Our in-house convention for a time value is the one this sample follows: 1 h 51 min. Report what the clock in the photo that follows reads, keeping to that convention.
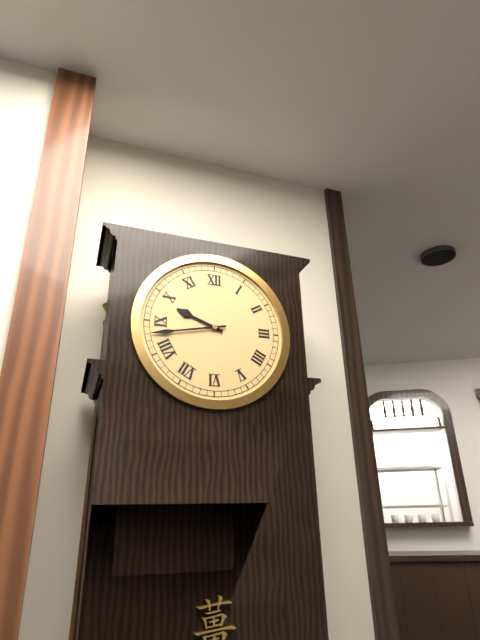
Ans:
9 h 43 min
